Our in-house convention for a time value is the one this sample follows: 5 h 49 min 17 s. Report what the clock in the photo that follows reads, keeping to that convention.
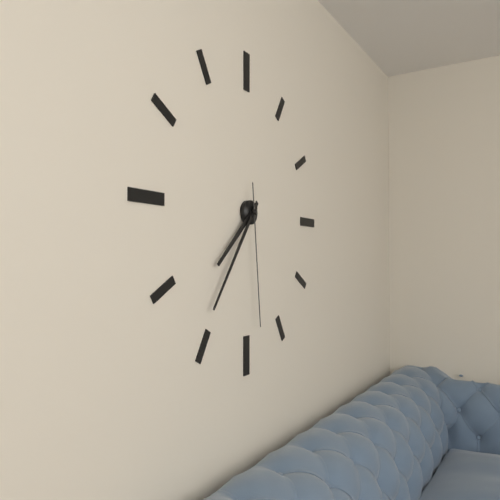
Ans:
7 h 36 min 29 s
